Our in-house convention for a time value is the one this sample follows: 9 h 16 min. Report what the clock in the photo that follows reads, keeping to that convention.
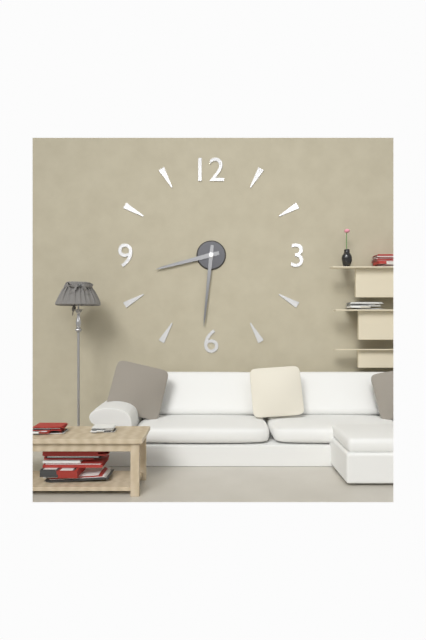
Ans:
8 h 31 min
